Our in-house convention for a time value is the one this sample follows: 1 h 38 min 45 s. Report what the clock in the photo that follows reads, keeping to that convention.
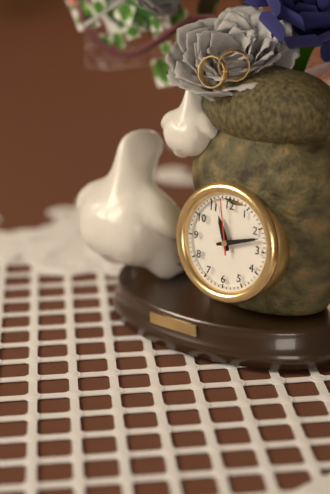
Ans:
11 h 12 min 58 s
